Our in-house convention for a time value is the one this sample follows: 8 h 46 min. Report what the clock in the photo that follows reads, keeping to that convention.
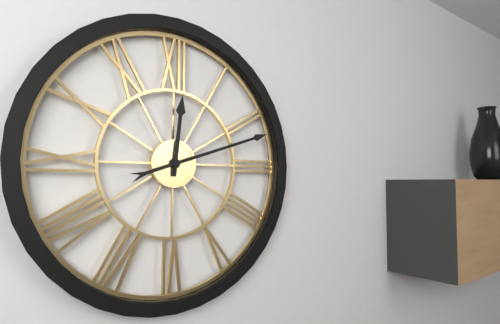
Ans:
12 h 12 min
